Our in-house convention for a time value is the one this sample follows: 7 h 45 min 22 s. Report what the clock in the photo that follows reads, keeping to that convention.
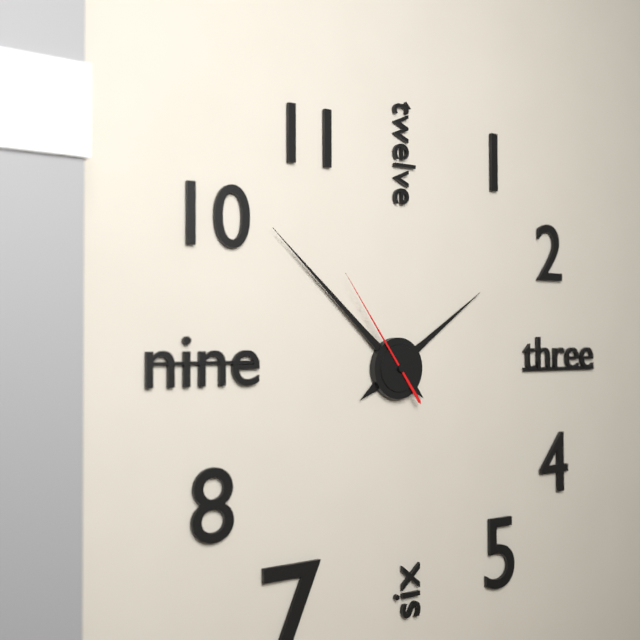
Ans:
1 h 52 min 54 s
